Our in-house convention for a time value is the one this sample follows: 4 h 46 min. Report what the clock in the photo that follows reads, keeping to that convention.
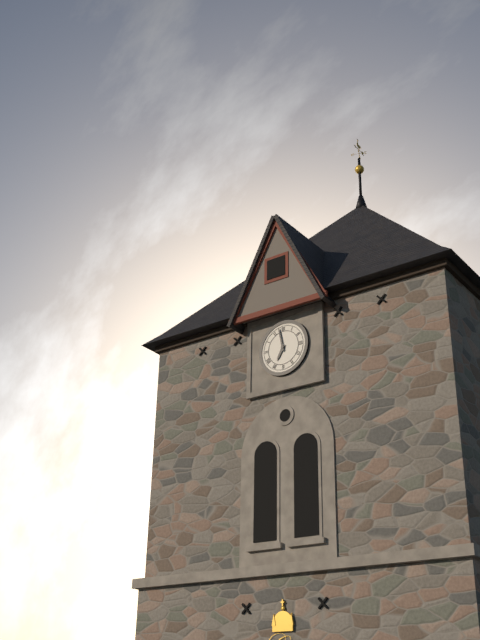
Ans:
6 h 58 min
